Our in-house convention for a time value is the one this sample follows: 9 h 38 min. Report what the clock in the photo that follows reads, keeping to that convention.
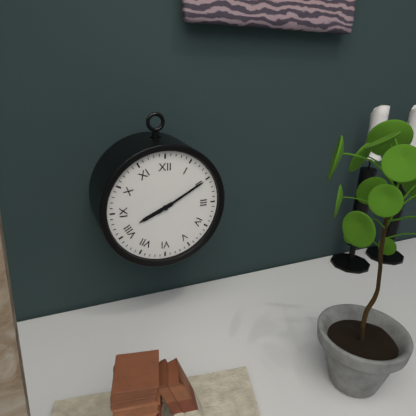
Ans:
8 h 10 min
